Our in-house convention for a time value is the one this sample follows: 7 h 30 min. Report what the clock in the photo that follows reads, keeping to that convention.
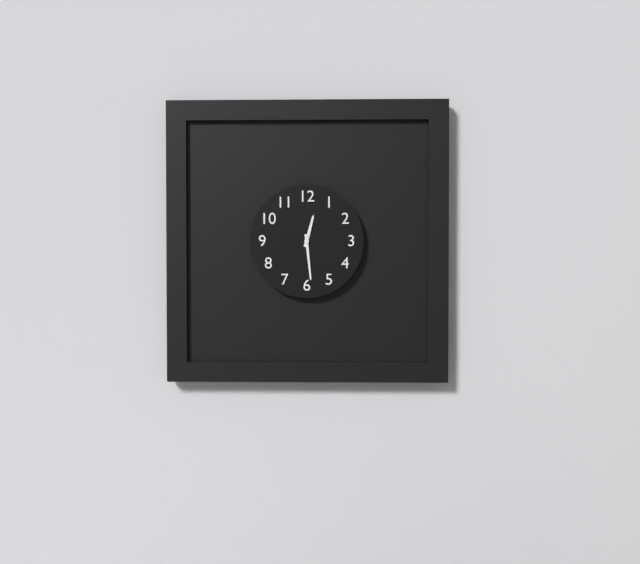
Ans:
12 h 29 min
